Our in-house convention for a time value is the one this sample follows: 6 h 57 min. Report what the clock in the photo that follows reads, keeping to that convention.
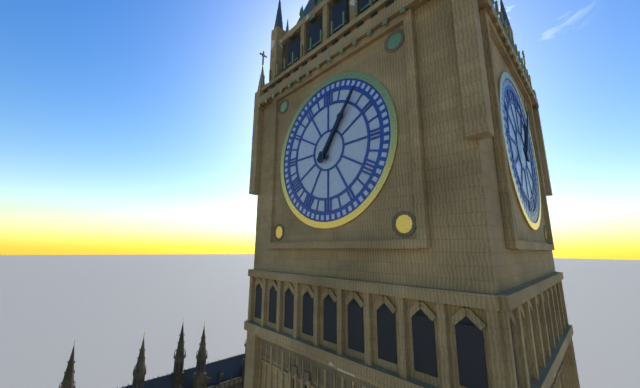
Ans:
1 h 06 min
